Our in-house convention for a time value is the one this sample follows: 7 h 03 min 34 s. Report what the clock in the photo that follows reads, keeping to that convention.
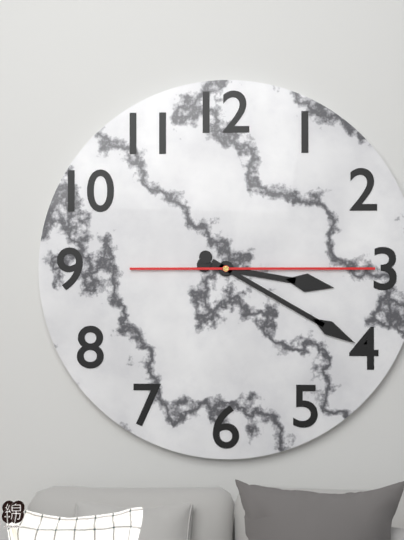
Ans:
3 h 20 min 15 s
